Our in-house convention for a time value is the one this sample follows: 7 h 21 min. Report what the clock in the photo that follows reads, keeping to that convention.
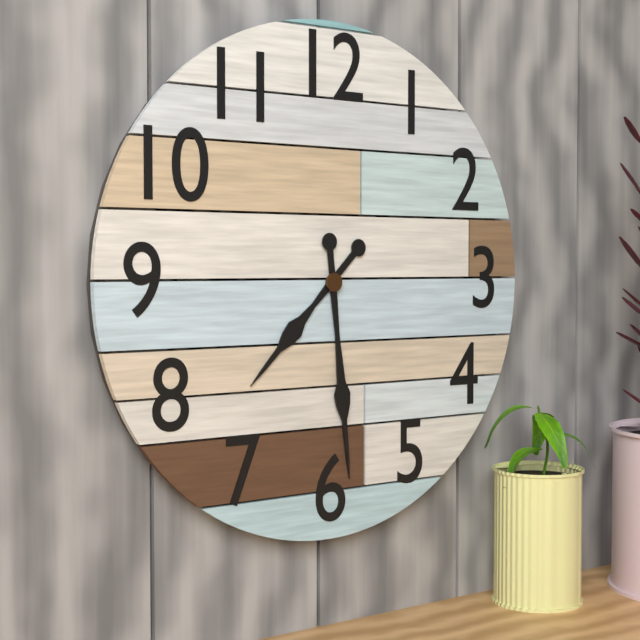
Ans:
7 h 29 min
